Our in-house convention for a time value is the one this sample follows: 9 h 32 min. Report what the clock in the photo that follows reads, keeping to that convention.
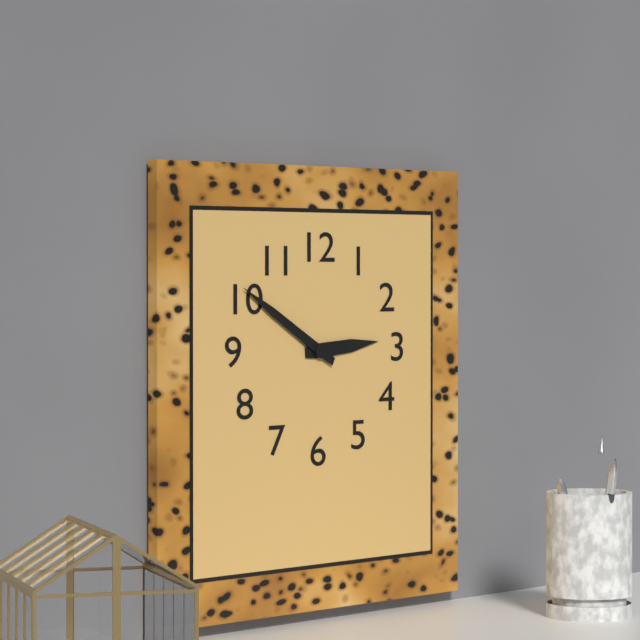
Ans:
2 h 50 min
